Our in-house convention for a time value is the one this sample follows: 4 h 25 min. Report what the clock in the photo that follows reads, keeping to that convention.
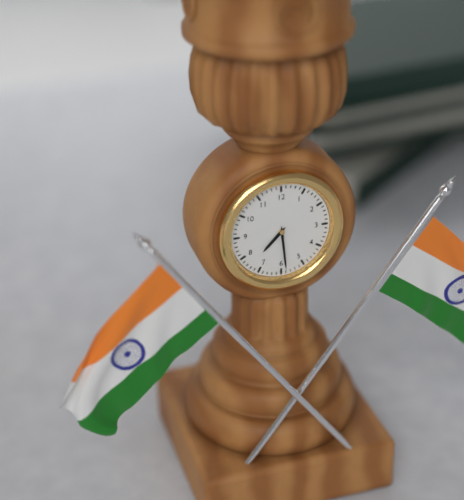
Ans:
7 h 29 min
